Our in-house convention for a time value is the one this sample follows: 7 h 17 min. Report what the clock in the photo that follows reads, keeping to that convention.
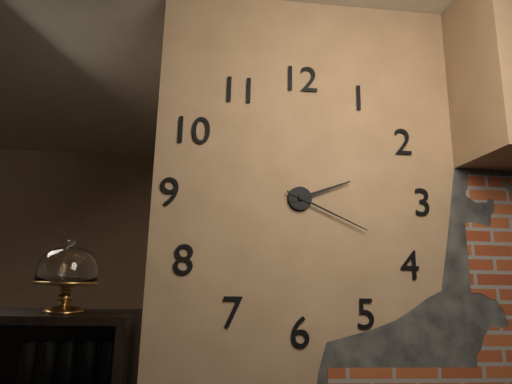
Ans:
2 h 19 min
